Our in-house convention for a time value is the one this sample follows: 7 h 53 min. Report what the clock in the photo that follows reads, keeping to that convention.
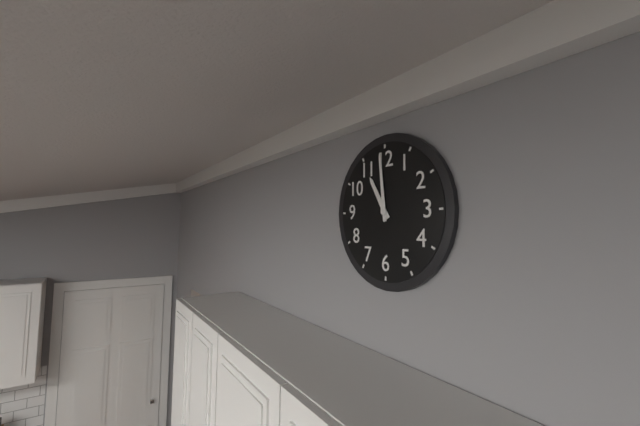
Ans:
10 h 59 min
